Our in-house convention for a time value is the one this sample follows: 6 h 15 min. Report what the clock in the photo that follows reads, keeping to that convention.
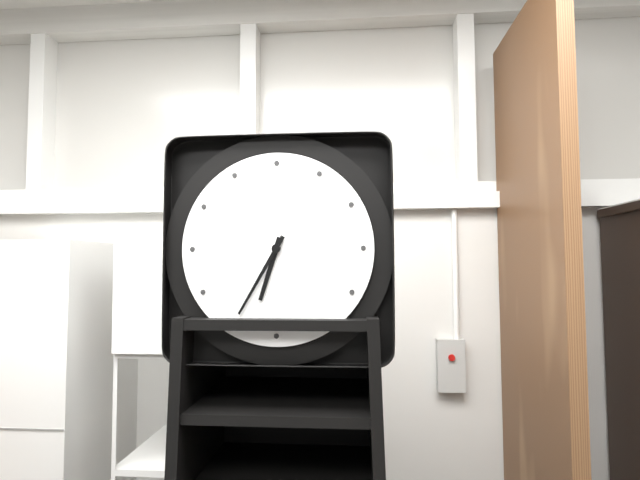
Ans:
6 h 35 min
